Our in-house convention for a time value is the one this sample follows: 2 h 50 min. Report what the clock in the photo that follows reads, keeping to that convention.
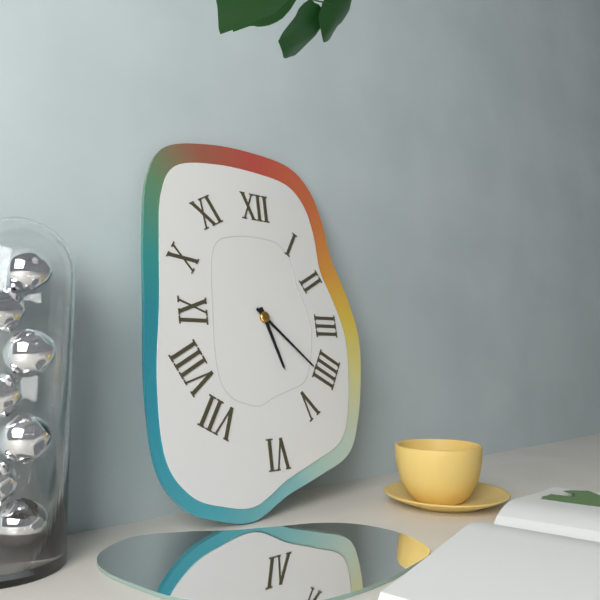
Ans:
5 h 22 min
